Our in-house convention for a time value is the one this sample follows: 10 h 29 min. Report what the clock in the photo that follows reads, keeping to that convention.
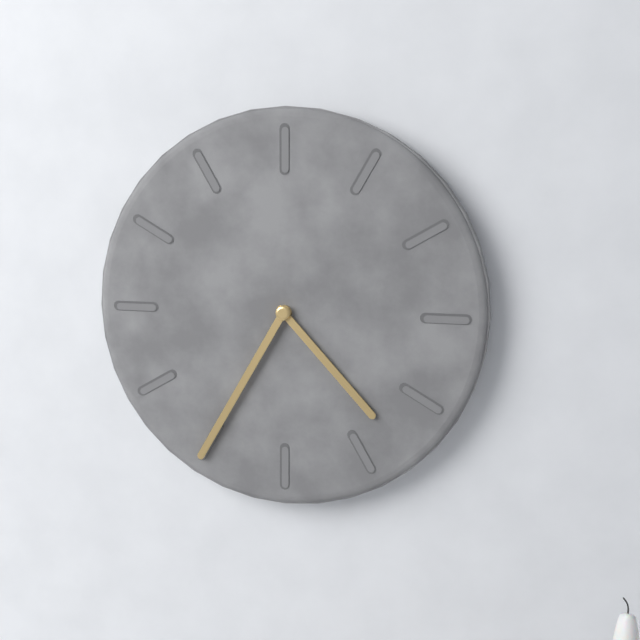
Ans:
4 h 35 min
